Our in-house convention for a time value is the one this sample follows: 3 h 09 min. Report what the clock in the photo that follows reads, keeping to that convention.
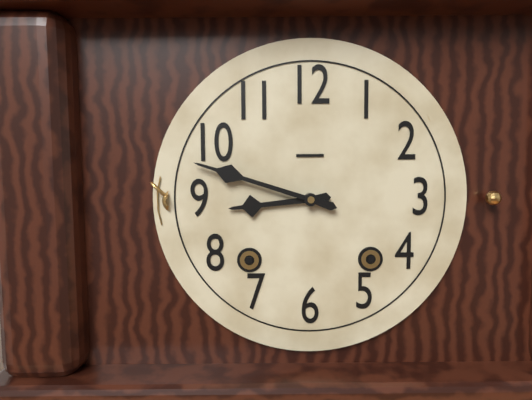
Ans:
8 h 48 min
